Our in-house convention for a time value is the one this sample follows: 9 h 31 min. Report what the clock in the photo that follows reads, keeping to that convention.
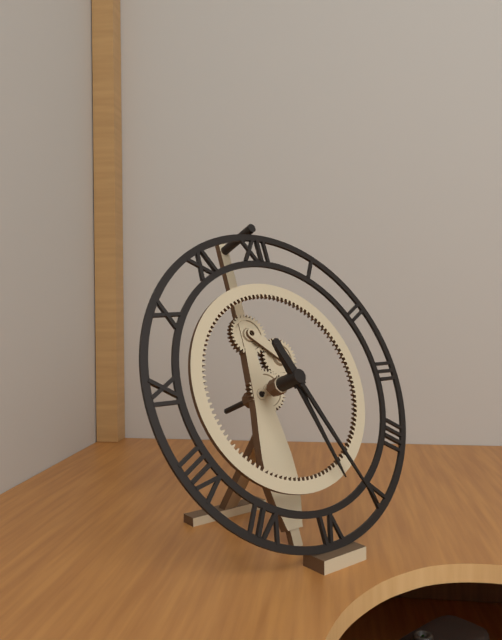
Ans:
5 h 26 min
